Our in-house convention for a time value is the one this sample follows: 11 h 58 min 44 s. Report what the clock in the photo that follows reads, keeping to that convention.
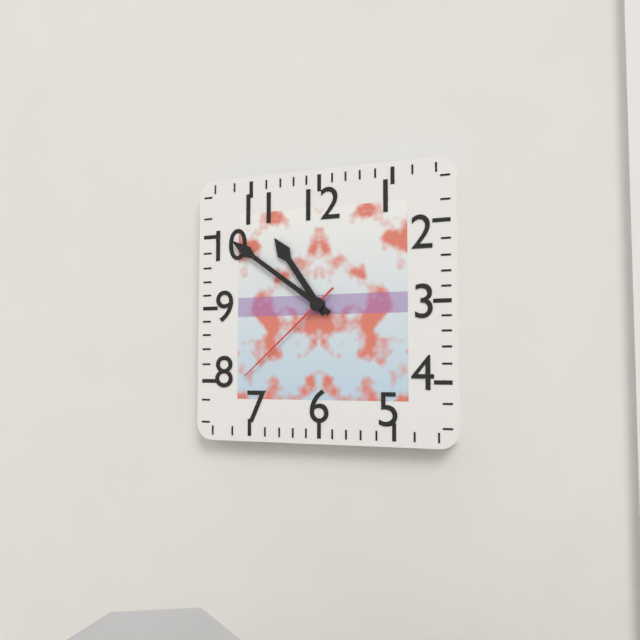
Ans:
10 h 51 min 38 s
